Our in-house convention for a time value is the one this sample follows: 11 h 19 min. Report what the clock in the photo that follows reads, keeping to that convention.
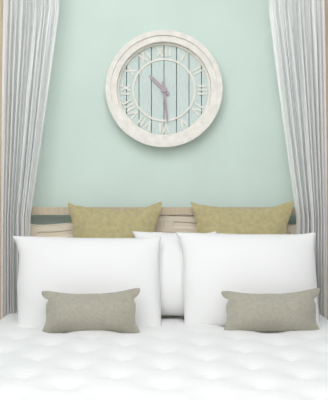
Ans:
10 h 29 min
